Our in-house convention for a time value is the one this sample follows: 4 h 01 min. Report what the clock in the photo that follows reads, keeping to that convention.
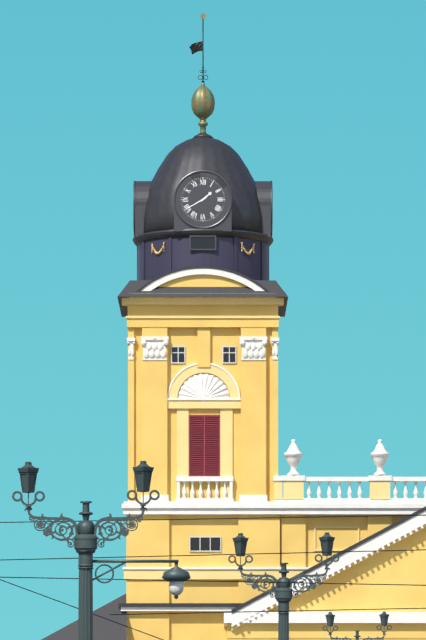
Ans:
1 h 40 min
